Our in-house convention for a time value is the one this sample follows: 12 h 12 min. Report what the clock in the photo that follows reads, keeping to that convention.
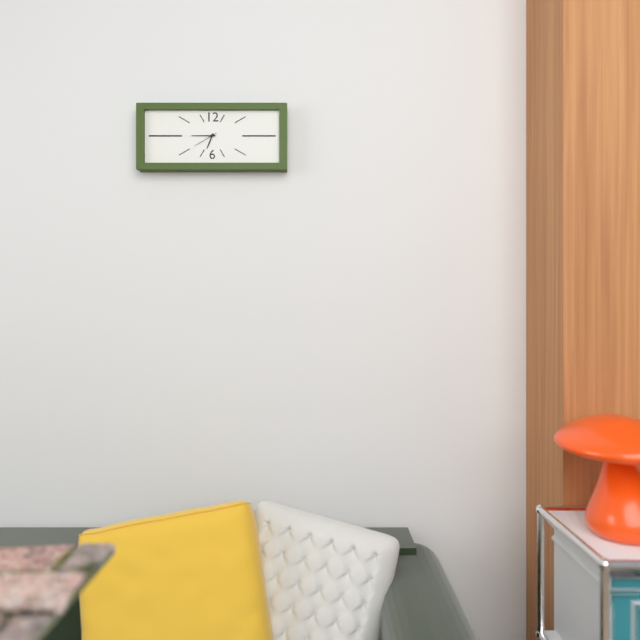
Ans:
6 h 45 min
